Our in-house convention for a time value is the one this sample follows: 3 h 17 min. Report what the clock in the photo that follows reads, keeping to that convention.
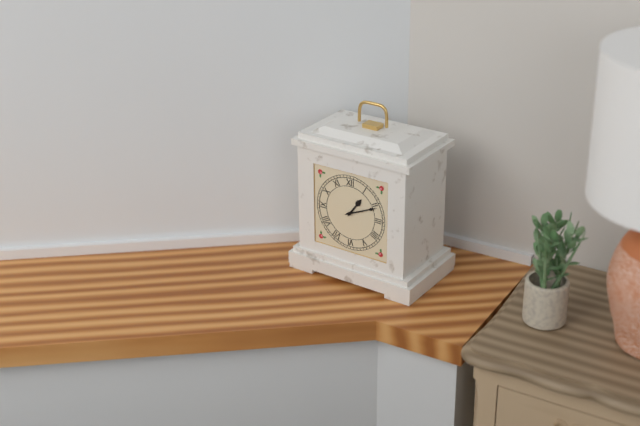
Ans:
1 h 11 min
